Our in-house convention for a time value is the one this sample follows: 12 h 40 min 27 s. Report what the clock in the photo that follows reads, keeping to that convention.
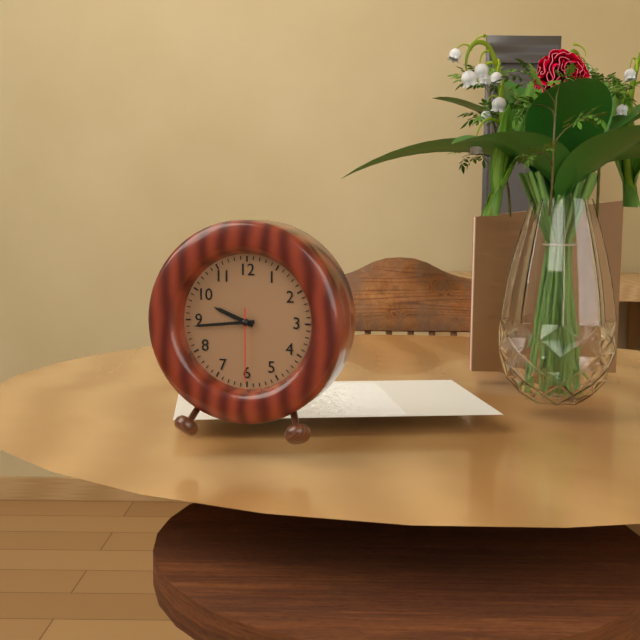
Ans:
9 h 44 min 30 s
